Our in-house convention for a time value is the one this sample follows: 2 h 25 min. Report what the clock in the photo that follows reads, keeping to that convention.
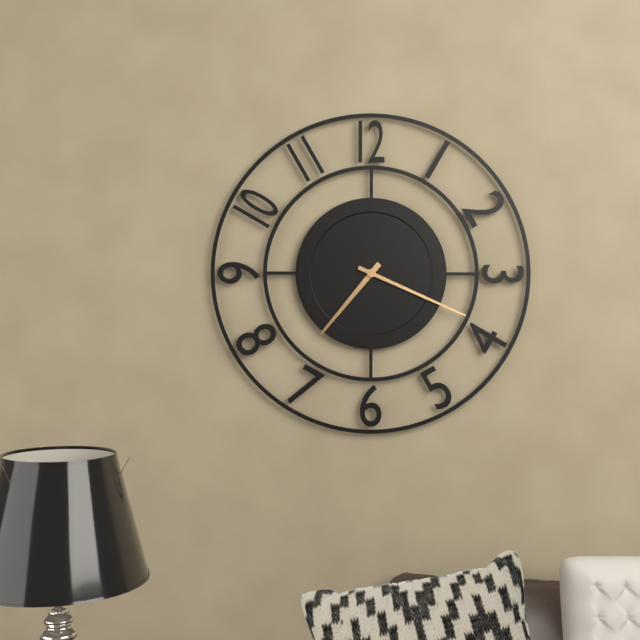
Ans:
7 h 19 min
